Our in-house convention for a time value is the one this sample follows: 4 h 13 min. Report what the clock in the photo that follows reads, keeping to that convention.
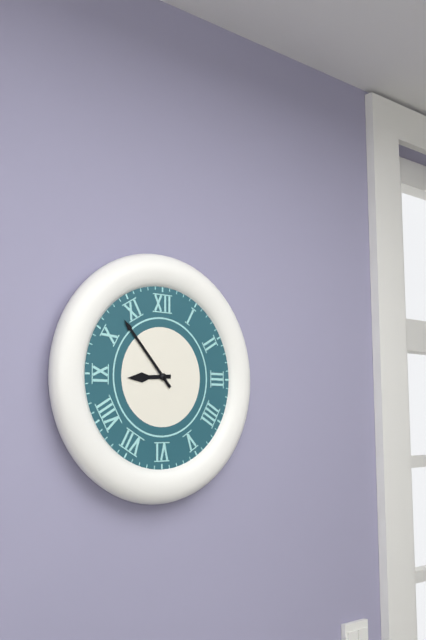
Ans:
8 h 53 min
